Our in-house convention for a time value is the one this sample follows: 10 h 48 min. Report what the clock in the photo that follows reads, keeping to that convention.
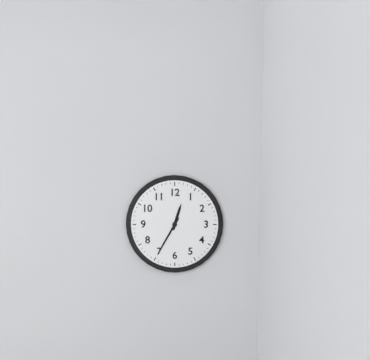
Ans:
12 h 35 min
